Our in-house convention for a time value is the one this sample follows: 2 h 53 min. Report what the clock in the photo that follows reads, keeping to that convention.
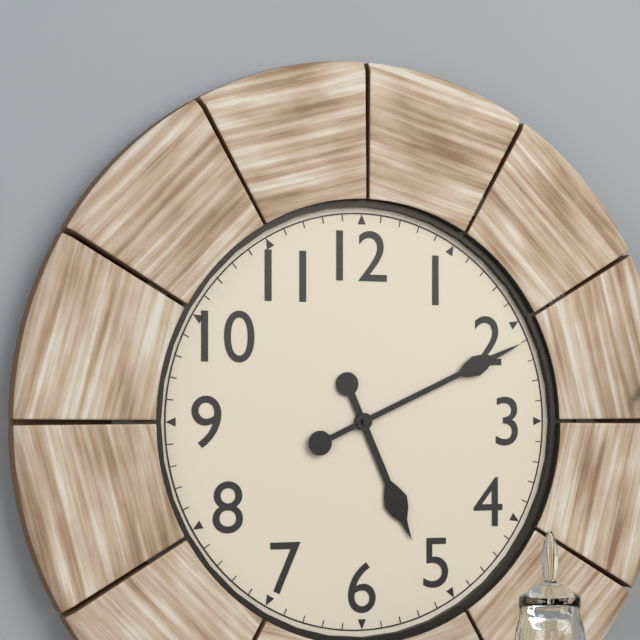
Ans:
5 h 11 min
